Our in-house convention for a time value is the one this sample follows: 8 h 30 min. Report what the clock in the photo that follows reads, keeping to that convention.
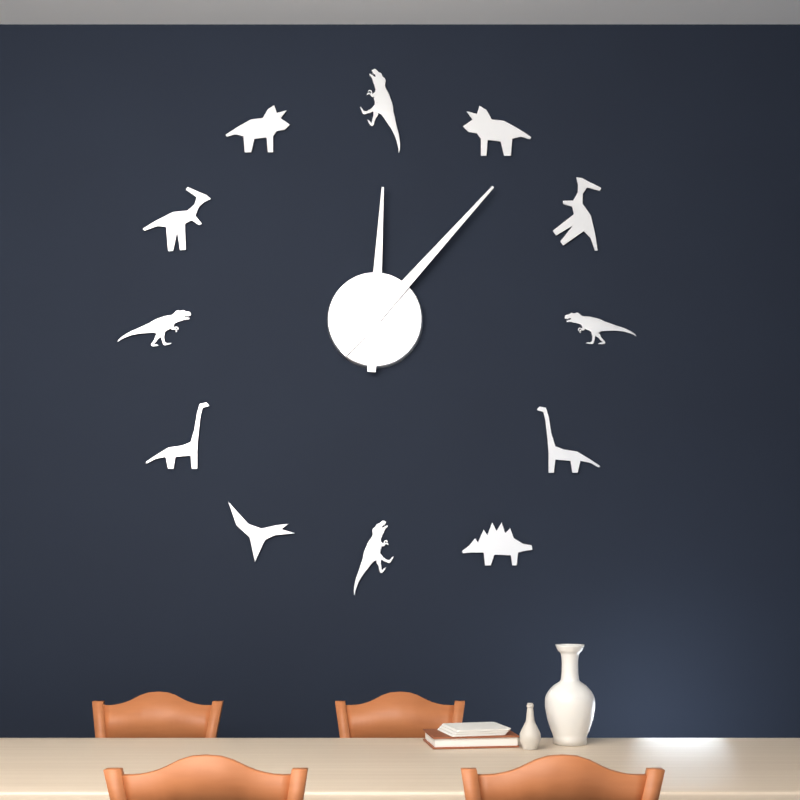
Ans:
12 h 07 min
